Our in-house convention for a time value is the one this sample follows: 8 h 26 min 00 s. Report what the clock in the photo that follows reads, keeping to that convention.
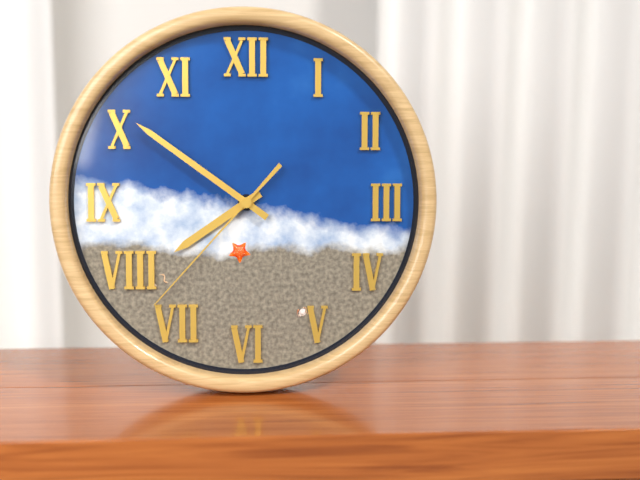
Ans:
7 h 51 min 37 s
